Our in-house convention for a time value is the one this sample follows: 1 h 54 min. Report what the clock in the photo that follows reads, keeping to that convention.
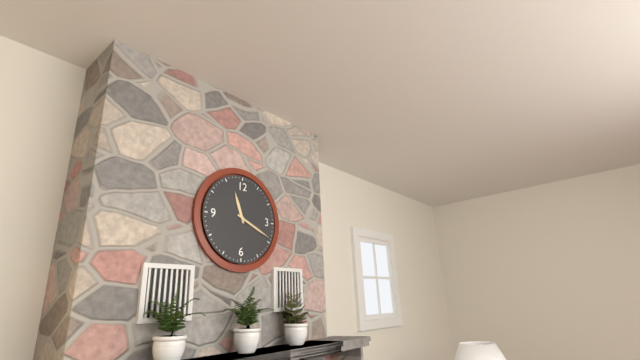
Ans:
11 h 19 min
